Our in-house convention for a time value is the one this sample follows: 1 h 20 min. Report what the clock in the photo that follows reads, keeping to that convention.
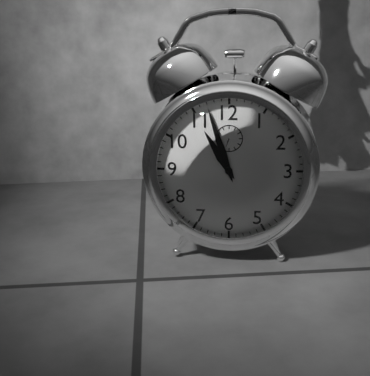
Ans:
10 h 57 min
